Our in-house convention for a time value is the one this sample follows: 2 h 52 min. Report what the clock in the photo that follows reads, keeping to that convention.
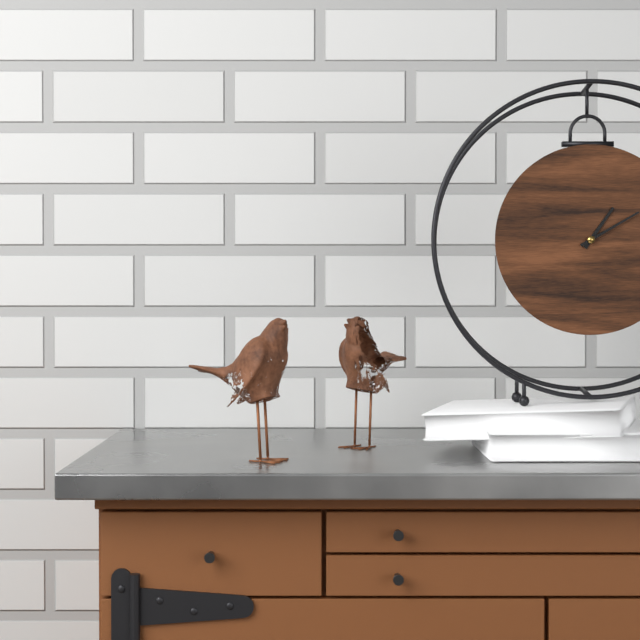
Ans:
1 h 10 min
